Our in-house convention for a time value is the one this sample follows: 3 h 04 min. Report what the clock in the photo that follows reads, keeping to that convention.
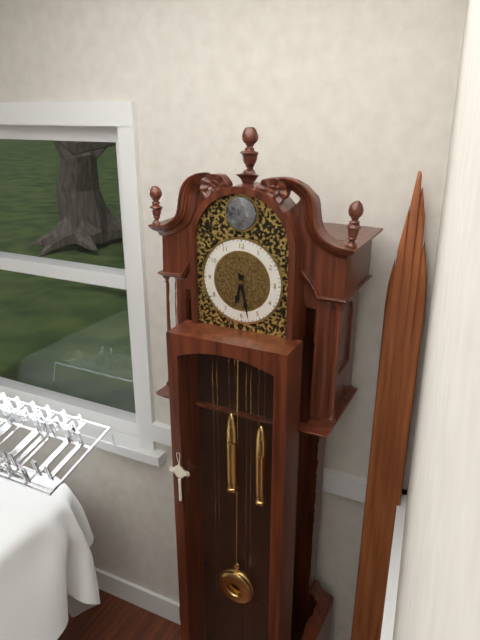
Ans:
6 h 28 min
